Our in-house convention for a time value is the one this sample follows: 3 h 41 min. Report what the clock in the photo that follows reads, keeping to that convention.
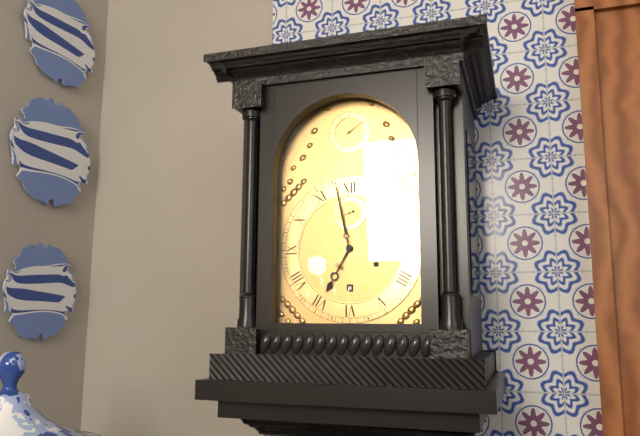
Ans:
6 h 58 min
